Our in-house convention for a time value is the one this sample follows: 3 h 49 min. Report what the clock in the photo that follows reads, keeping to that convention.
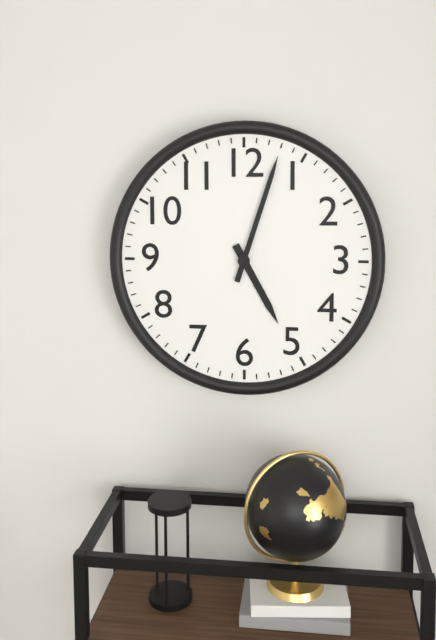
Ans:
5 h 03 min
